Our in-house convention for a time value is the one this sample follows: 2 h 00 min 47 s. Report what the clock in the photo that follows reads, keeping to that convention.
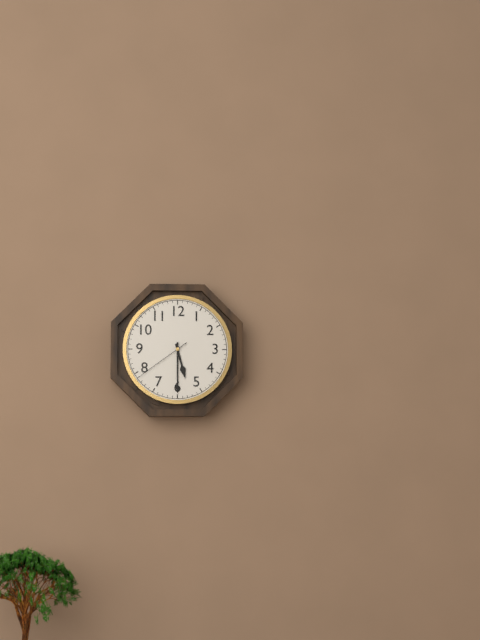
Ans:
5 h 30 min 39 s
